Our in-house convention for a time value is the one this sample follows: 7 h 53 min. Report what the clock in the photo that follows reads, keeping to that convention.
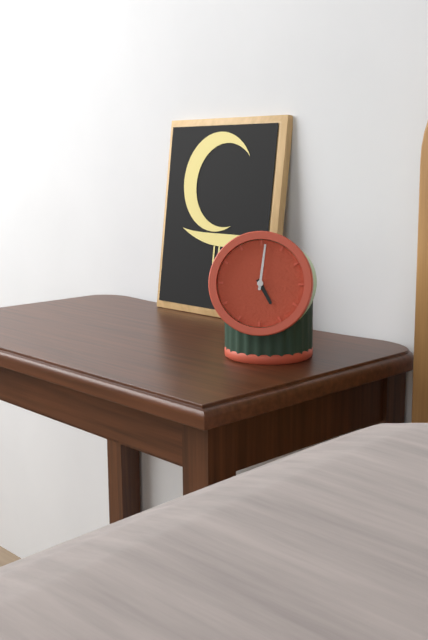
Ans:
5 h 01 min
